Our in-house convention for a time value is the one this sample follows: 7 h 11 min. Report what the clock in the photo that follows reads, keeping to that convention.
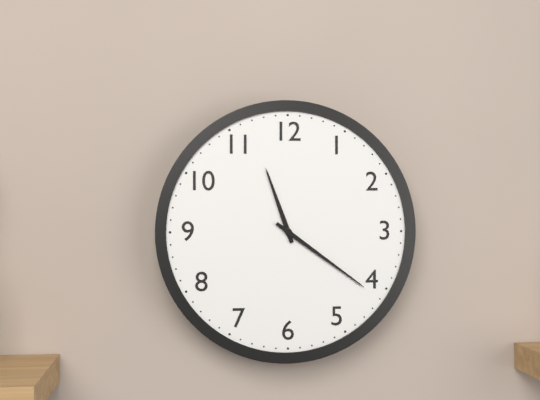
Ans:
11 h 21 min
